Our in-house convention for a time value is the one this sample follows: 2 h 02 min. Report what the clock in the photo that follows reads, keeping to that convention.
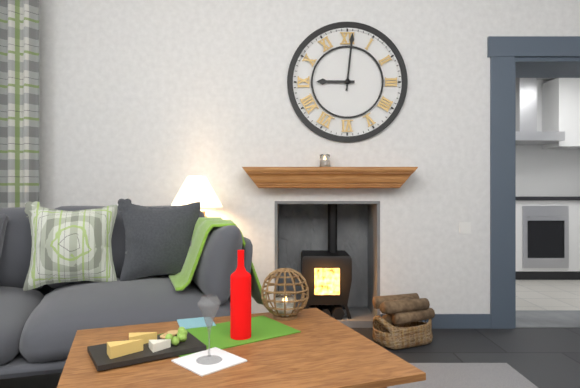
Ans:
9 h 01 min
